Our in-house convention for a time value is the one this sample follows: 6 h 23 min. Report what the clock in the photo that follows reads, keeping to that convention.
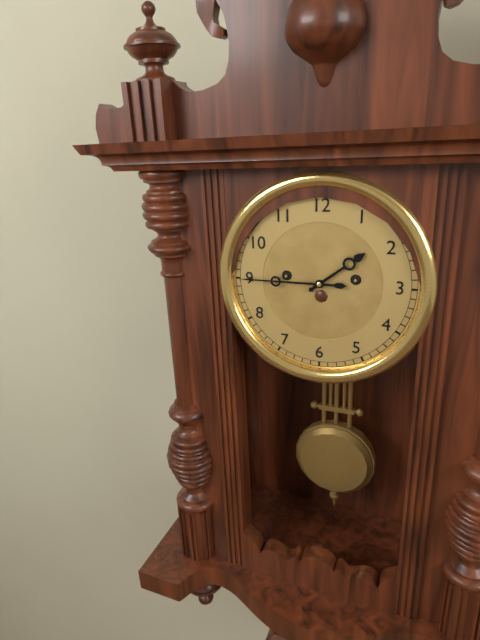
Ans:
1 h 45 min
